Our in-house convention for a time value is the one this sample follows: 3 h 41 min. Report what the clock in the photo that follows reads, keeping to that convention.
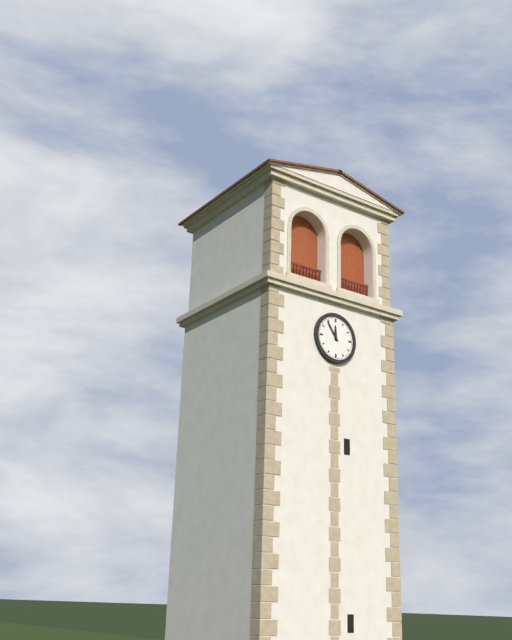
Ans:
11 h 54 min
